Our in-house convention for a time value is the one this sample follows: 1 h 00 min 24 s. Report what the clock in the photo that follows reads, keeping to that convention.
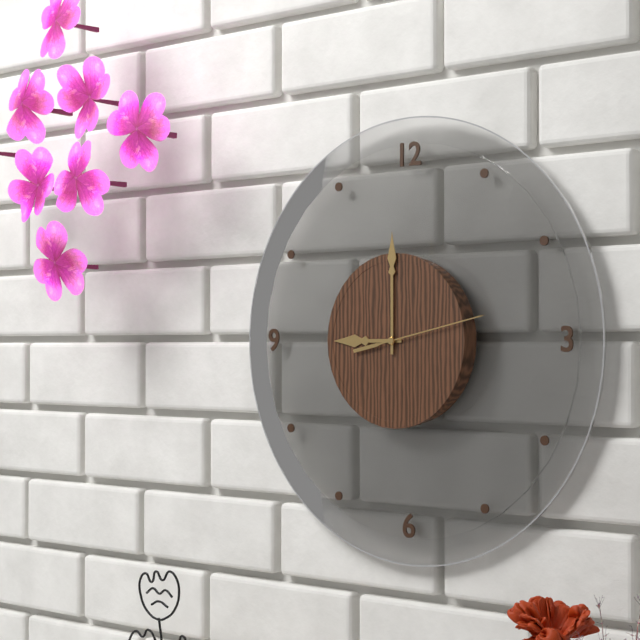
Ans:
9 h 00 min 13 s
